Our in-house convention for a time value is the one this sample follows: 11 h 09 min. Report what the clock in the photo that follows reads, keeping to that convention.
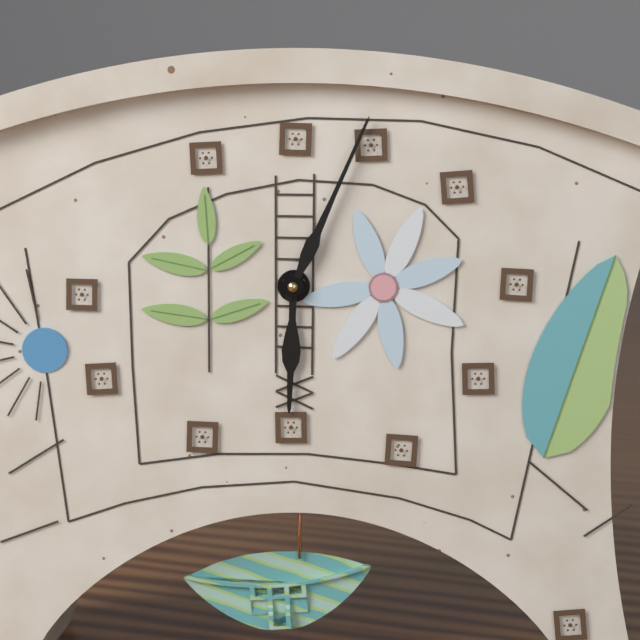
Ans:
6 h 04 min
